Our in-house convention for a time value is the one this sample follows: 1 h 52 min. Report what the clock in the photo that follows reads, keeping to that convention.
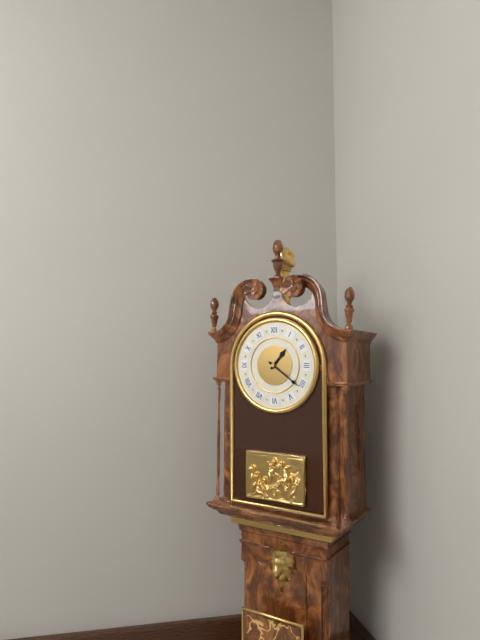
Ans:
1 h 21 min
